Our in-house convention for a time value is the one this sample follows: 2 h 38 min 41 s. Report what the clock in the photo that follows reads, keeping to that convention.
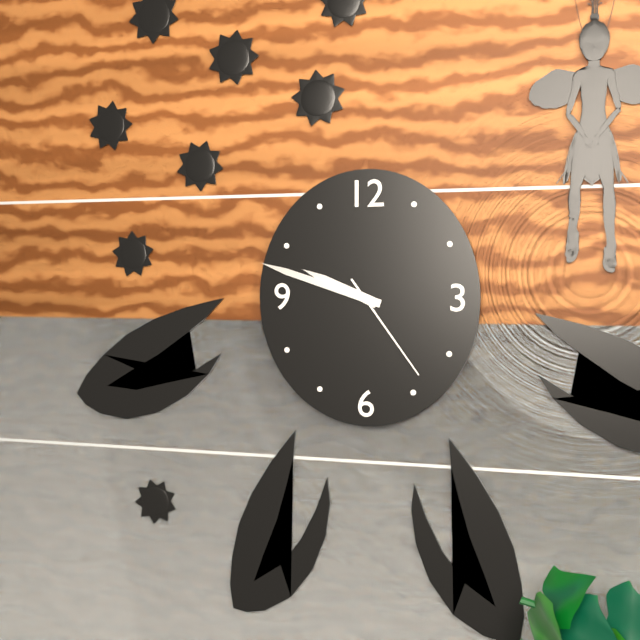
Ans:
9 h 48 min 24 s
